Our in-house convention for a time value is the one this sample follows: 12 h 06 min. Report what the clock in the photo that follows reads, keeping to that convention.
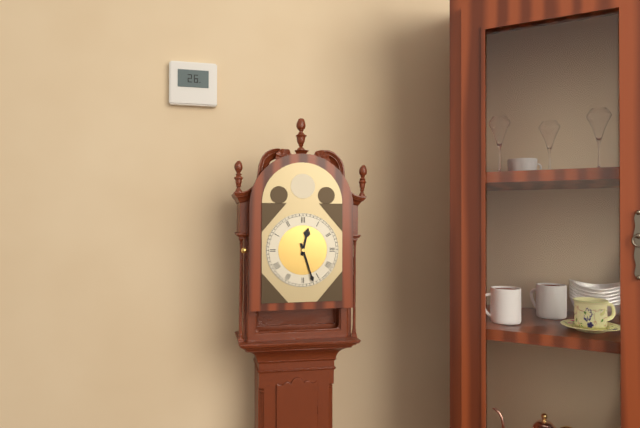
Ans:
12 h 27 min
